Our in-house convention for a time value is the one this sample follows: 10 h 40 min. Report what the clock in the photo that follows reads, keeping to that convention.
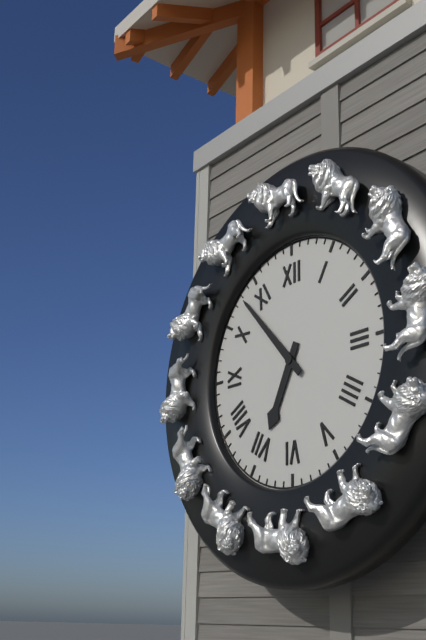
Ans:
6 h 53 min
